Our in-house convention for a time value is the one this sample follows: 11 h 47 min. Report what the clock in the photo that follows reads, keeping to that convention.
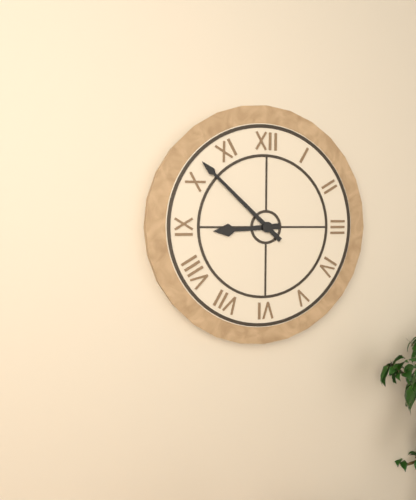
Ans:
8 h 52 min
